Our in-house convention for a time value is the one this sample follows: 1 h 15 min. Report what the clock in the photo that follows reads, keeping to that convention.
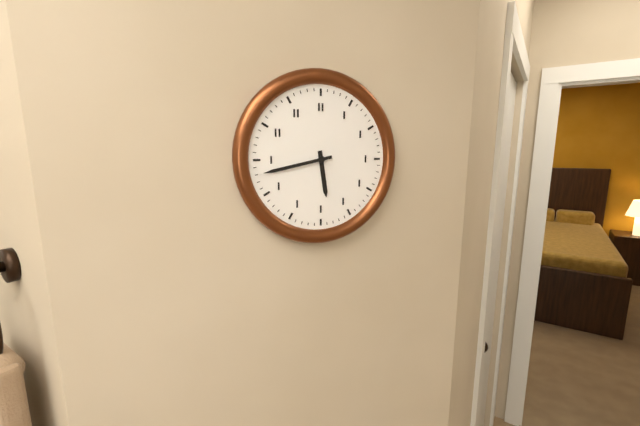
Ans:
5 h 43 min
